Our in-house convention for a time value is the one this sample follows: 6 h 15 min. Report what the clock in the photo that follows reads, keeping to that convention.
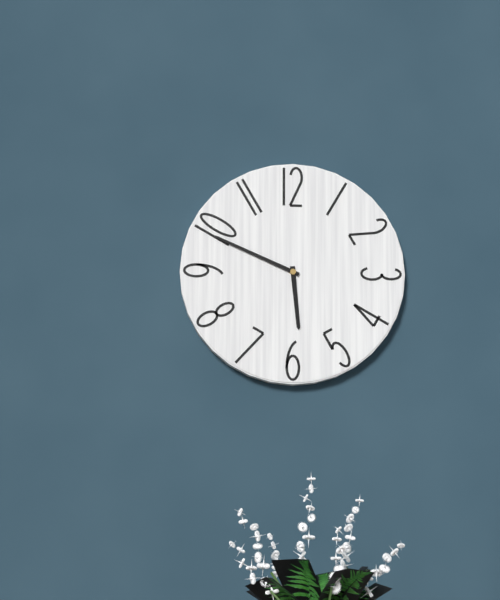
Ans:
5 h 49 min
